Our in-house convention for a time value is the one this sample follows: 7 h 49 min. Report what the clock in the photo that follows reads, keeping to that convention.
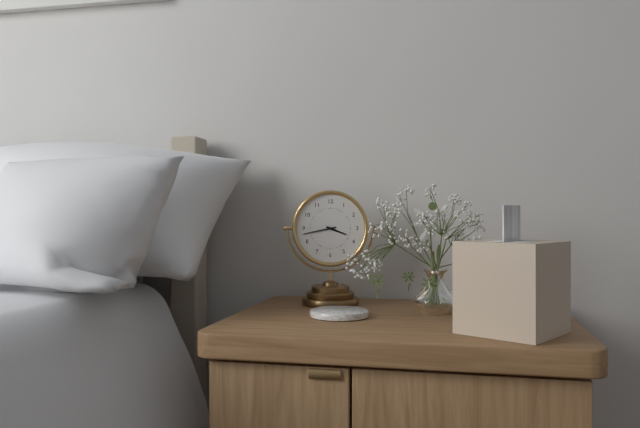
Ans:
3 h 43 min
